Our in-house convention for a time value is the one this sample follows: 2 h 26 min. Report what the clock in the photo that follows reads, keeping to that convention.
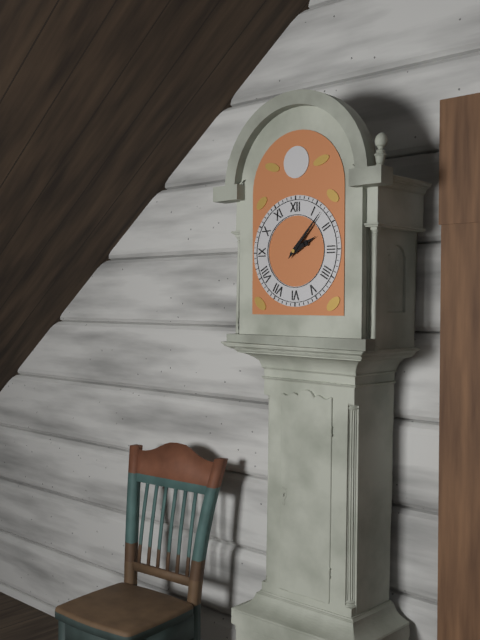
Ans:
2 h 07 min
